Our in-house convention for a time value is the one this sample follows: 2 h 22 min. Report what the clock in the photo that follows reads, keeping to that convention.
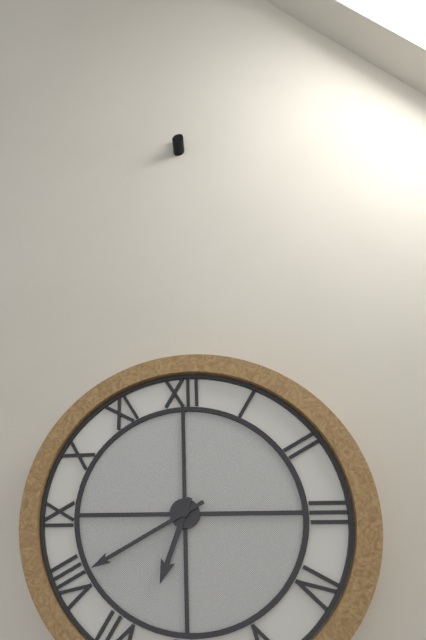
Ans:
6 h 40 min
